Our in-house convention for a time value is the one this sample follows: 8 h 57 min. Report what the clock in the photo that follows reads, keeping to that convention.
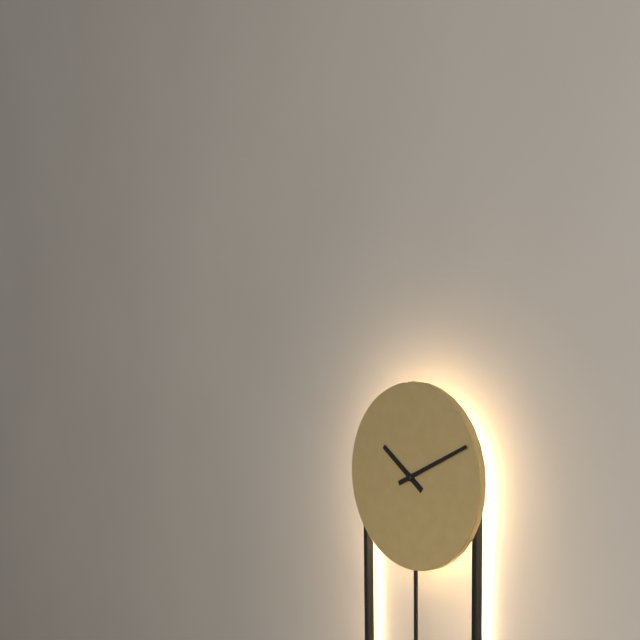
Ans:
10 h 11 min
